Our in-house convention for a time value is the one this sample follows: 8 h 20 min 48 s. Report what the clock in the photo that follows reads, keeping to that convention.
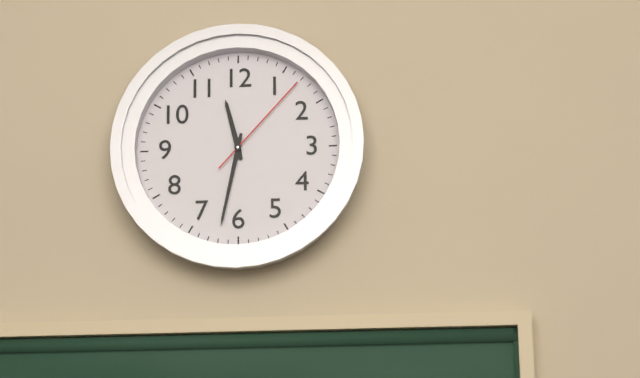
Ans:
11 h 32 min 07 s
